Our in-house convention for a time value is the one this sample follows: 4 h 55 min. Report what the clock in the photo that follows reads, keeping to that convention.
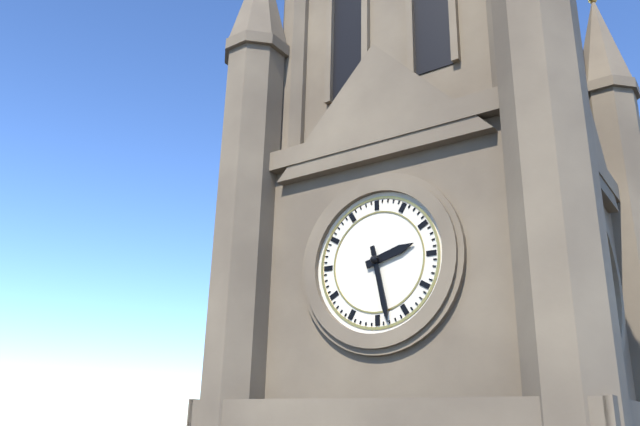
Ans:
2 h 28 min
